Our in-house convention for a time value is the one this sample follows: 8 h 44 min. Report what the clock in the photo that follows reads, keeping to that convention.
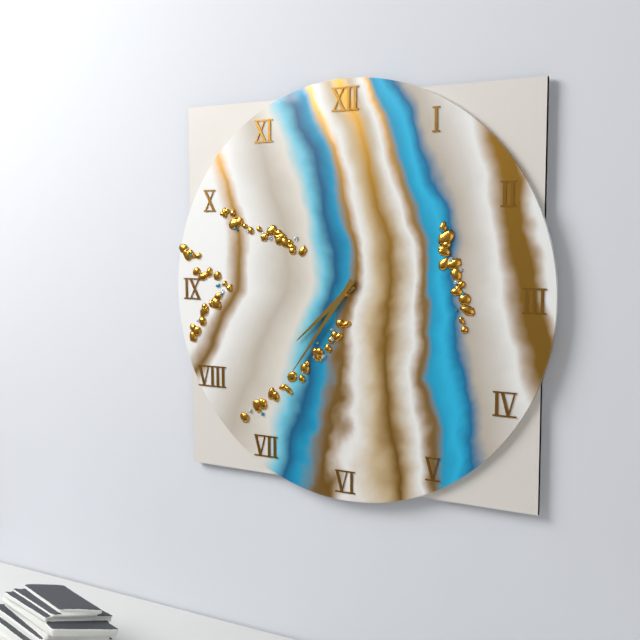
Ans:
7 h 36 min
